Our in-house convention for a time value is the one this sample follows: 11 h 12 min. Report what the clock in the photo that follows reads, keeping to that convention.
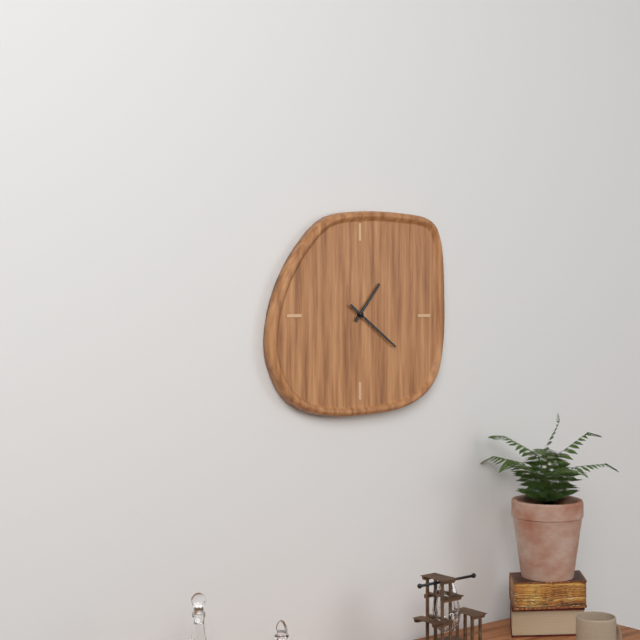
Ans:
1 h 21 min
